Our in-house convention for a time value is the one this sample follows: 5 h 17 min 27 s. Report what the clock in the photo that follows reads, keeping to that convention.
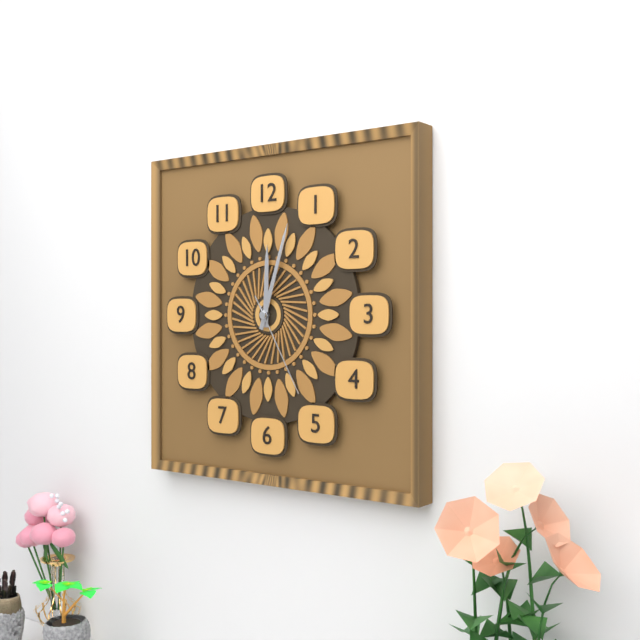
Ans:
12 h 03 min 25 s
